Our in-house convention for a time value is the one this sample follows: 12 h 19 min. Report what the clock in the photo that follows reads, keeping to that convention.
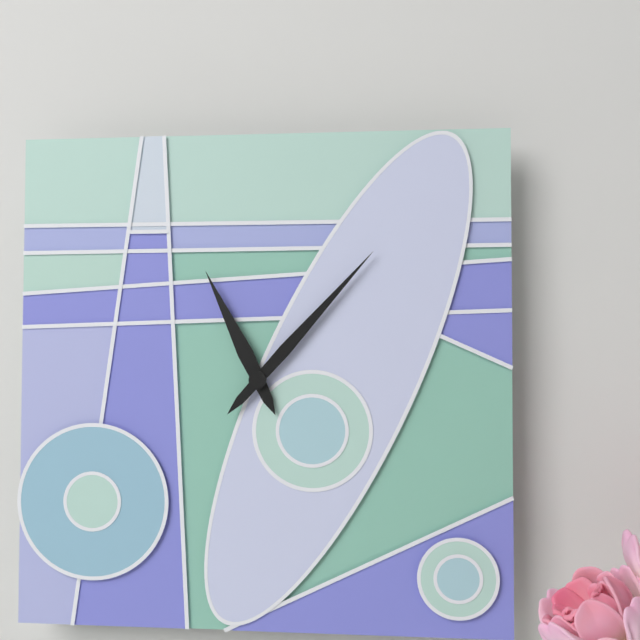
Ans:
11 h 07 min
